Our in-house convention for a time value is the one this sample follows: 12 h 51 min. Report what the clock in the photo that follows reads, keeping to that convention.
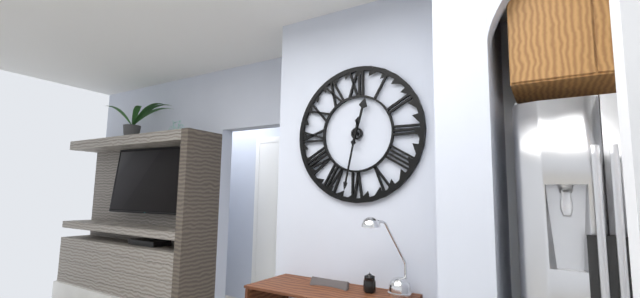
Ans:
12 h 32 min
